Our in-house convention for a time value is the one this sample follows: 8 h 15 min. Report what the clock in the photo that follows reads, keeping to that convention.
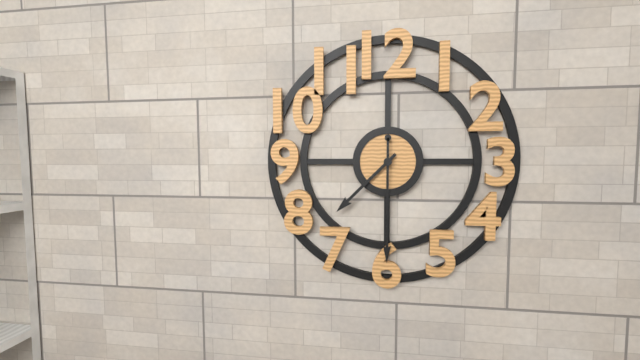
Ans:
7 h 30 min
